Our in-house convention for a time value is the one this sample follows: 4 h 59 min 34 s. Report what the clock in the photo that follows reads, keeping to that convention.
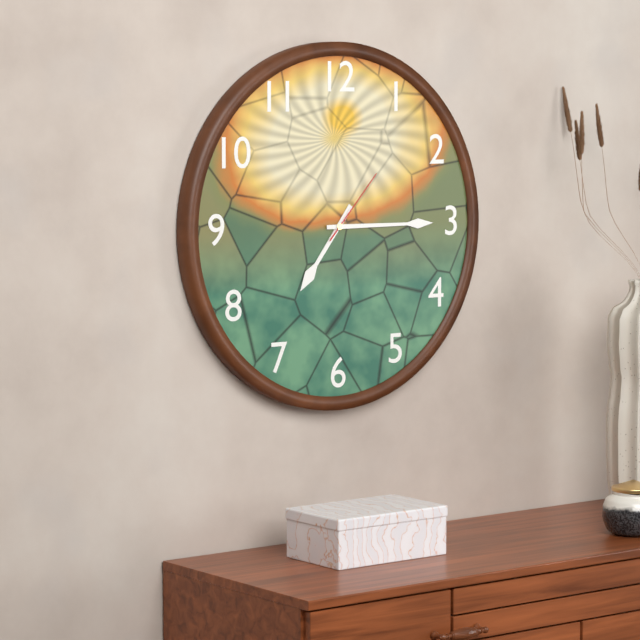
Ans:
7 h 15 min 07 s
